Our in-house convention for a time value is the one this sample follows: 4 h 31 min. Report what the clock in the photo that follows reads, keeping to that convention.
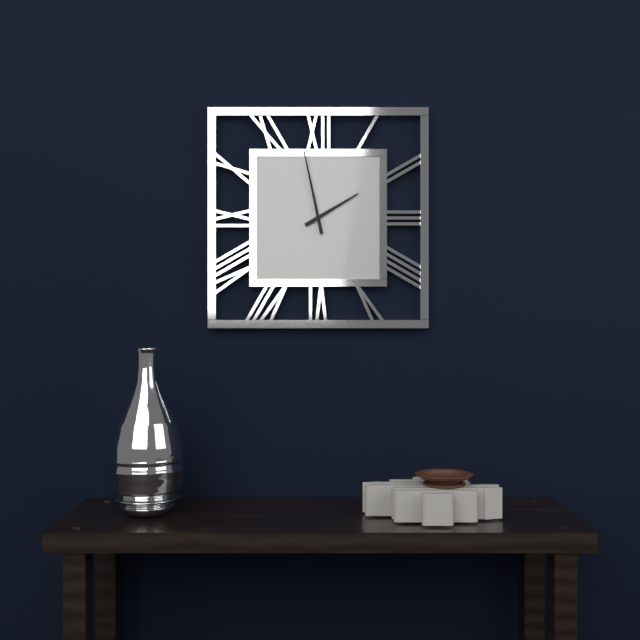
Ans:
1 h 58 min
